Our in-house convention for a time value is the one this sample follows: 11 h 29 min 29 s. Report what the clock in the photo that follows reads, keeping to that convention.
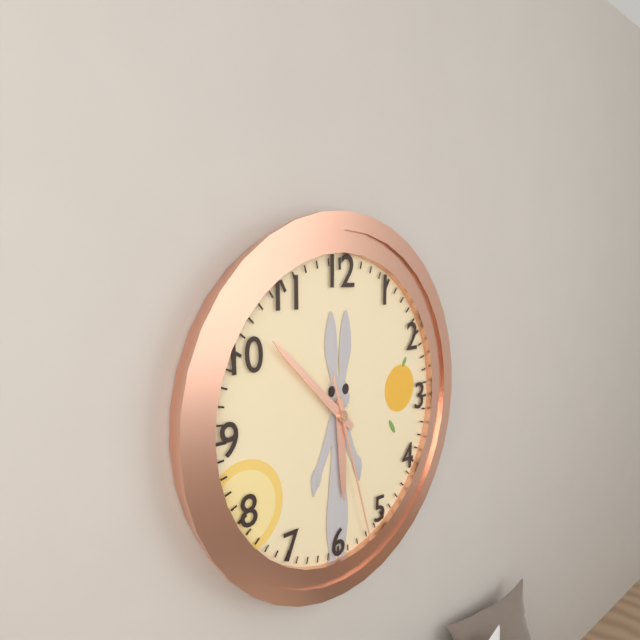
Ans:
5 h 52 min 27 s
